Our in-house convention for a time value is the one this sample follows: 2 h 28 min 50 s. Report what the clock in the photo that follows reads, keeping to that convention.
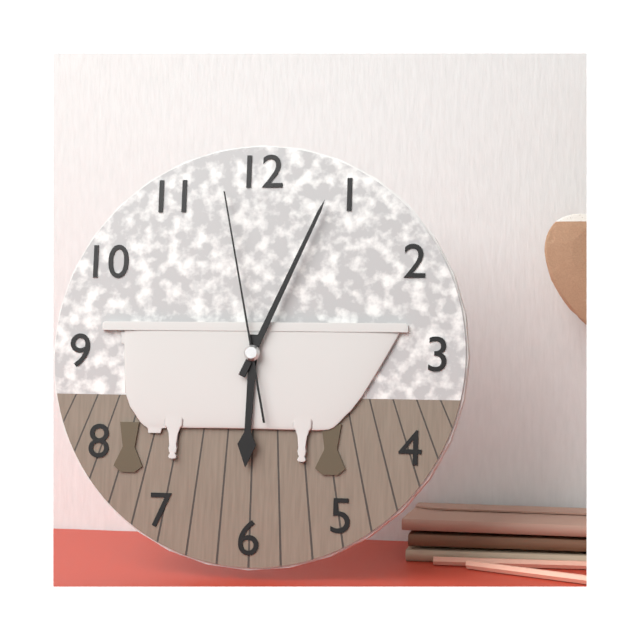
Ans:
6 h 04 min 58 s
